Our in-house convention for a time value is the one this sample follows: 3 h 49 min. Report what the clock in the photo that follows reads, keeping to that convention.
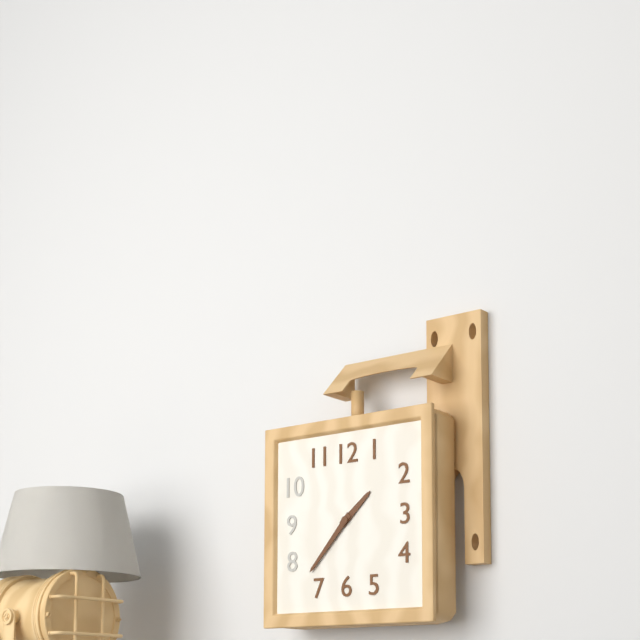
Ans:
1 h 37 min
